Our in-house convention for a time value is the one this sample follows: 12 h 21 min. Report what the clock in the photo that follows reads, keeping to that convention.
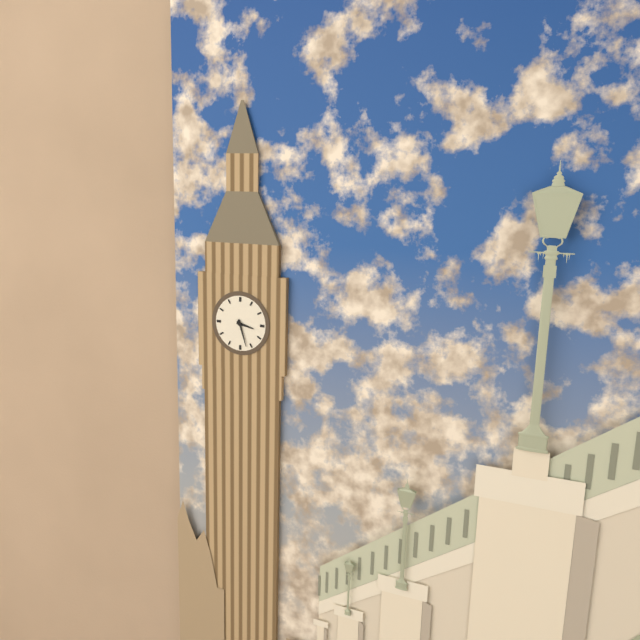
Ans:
3 h 27 min
